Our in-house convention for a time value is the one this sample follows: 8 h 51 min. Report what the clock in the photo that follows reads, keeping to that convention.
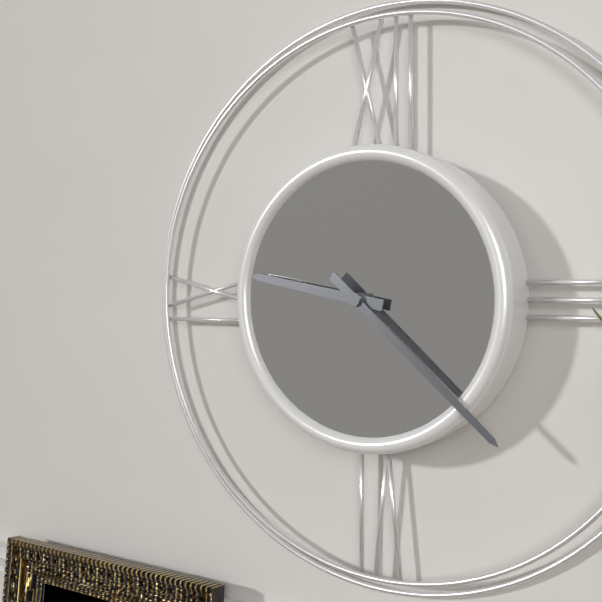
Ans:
9 h 22 min
